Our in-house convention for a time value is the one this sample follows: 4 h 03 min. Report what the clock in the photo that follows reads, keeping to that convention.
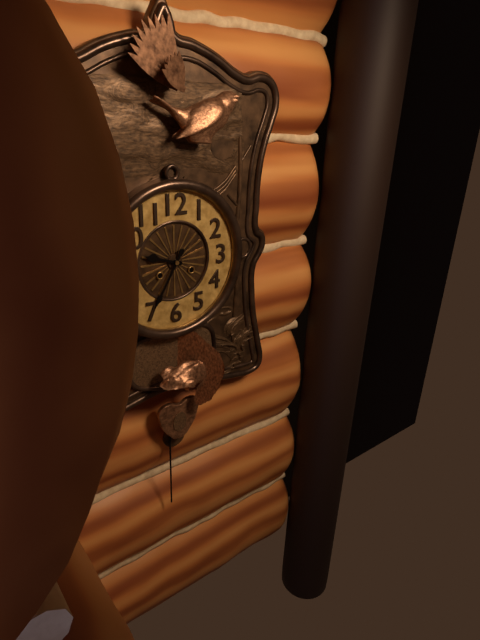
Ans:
9 h 35 min
